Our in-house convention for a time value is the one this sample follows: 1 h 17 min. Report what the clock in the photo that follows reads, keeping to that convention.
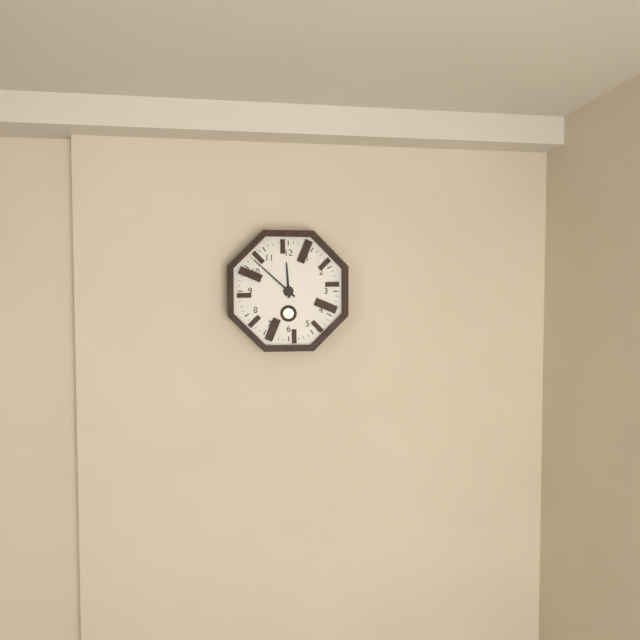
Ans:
11 h 52 min
